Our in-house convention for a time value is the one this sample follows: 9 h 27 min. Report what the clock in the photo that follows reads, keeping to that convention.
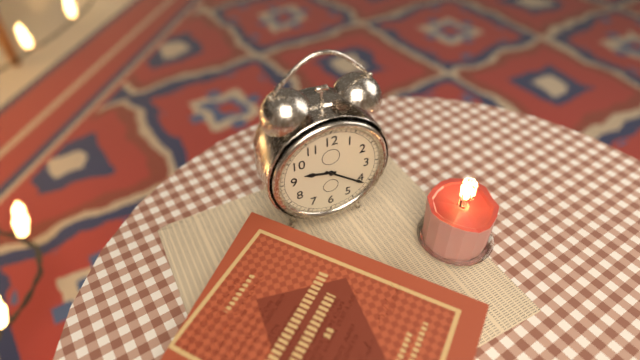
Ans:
9 h 21 min
